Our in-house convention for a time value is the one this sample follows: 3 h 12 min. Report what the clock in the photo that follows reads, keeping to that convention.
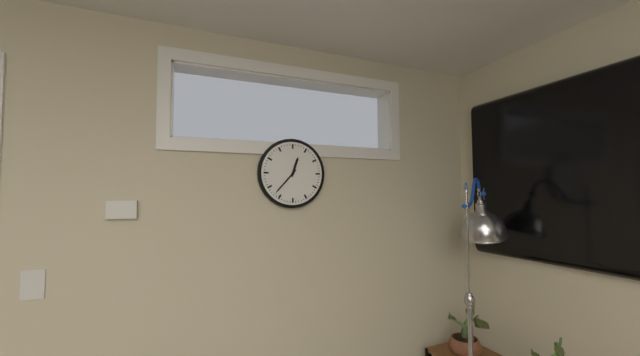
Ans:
12 h 37 min
